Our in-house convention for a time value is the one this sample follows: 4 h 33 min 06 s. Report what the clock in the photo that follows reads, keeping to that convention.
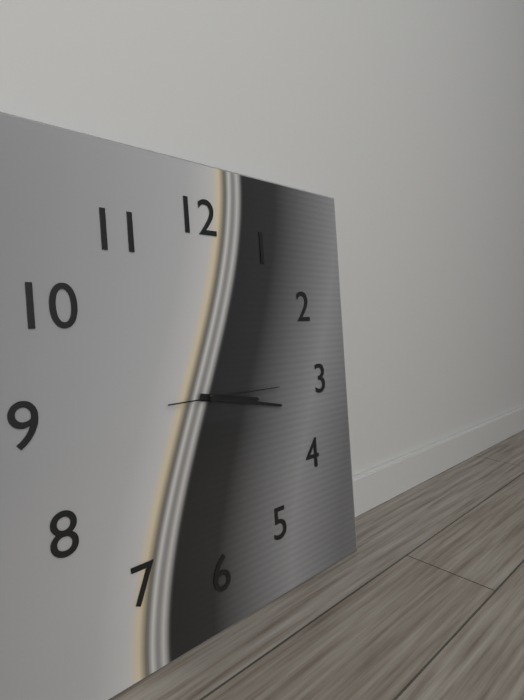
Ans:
3 h 17 min 15 s
